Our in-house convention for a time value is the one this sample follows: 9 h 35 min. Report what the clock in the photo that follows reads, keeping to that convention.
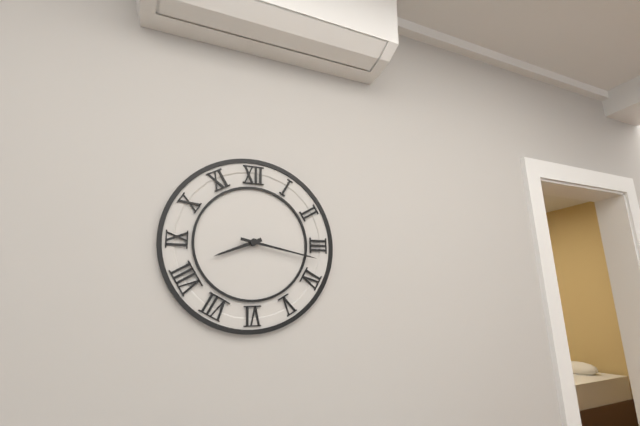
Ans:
8 h 17 min
